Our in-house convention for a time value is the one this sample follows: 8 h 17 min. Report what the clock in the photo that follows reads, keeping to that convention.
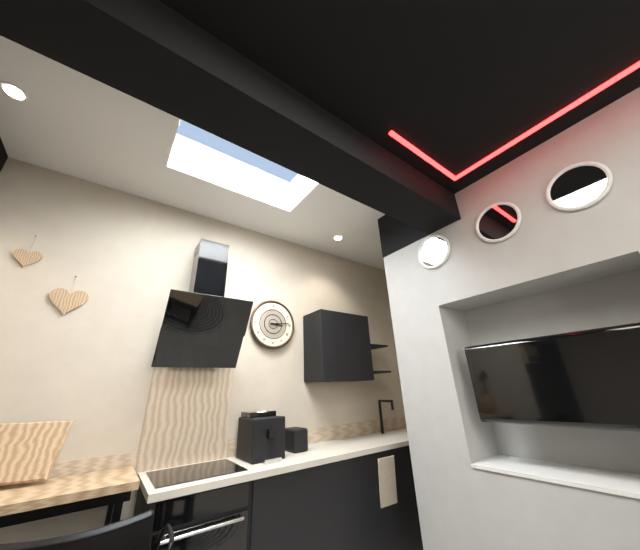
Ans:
3 h 14 min
